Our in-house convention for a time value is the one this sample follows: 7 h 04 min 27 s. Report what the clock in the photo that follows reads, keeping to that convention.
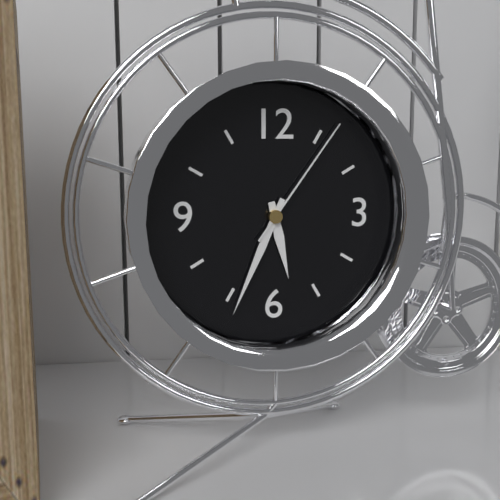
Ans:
5 h 34 min 06 s
